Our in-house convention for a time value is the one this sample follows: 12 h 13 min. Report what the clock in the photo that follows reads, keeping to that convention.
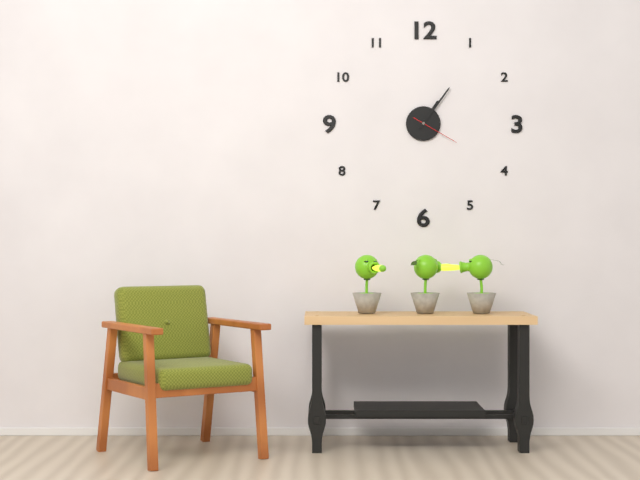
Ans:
1 h 06 min
